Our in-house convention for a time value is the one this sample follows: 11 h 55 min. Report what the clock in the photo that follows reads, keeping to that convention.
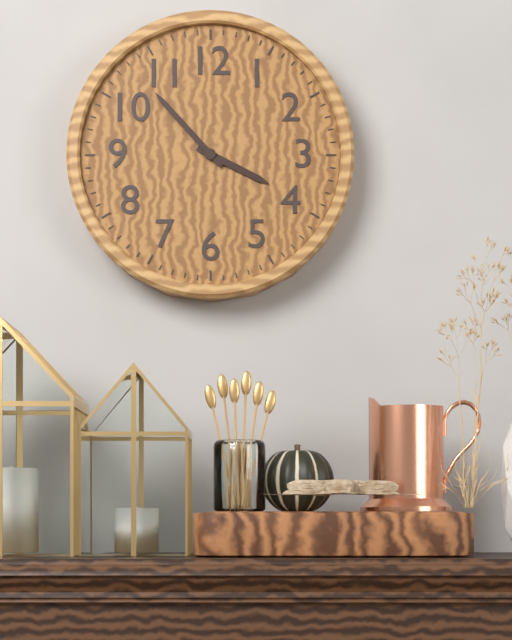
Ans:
3 h 53 min
